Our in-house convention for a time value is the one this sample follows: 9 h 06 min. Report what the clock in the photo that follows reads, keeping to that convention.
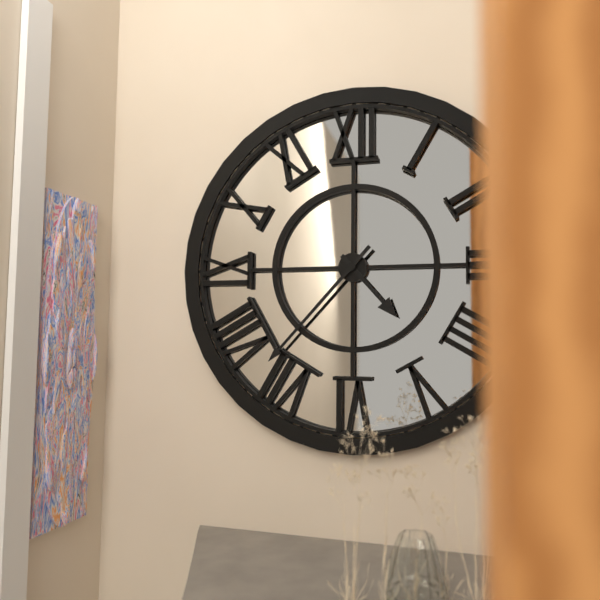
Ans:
4 h 37 min
